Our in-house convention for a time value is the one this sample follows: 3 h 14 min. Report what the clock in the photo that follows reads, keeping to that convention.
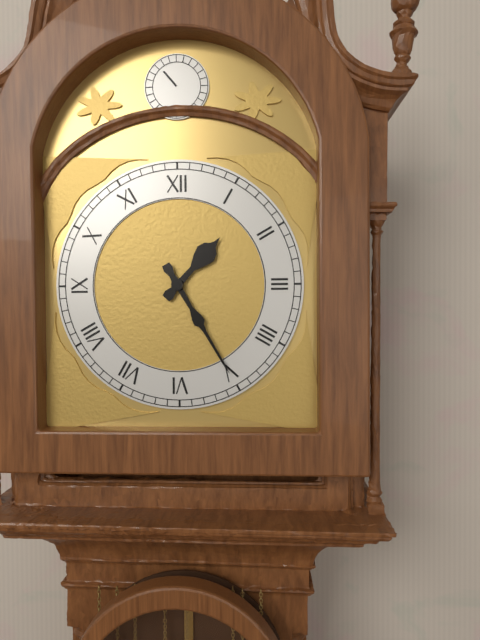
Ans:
1 h 25 min
